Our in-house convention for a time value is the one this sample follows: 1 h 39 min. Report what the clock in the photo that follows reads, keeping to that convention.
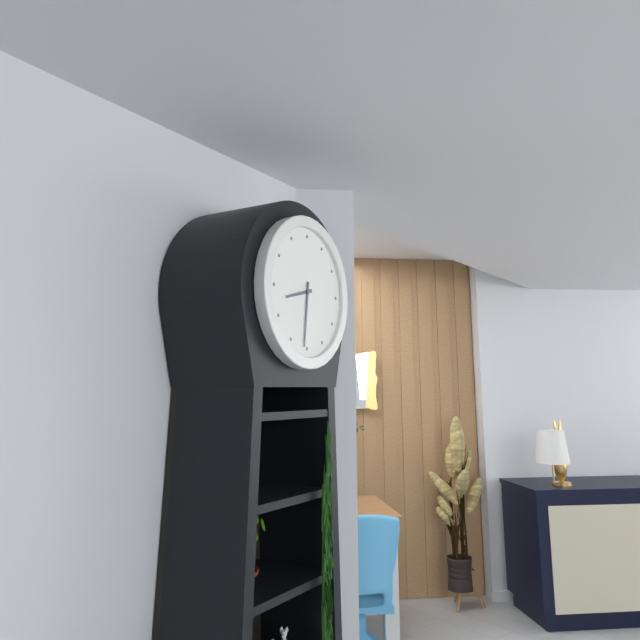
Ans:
8 h 31 min
